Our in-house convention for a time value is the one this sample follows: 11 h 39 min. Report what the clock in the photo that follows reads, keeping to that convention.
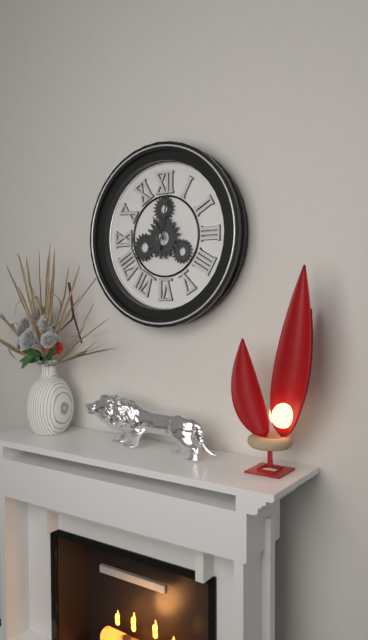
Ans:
11 h 02 min
